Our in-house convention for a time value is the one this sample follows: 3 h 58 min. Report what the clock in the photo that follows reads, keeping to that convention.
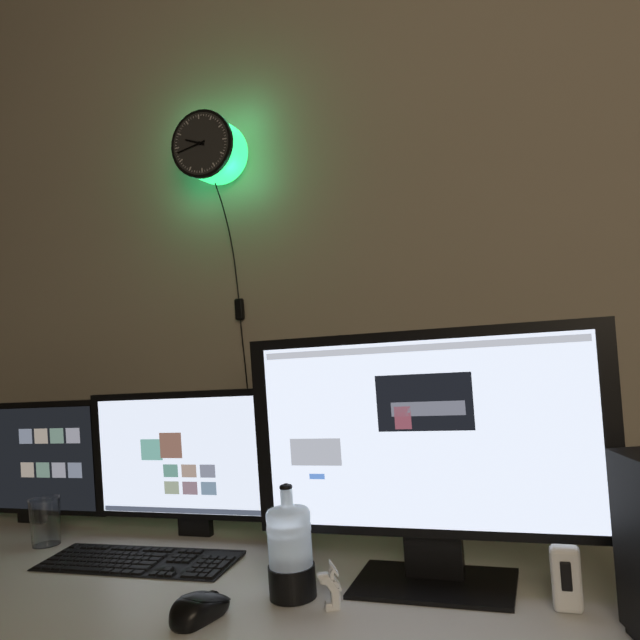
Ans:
9 h 43 min
